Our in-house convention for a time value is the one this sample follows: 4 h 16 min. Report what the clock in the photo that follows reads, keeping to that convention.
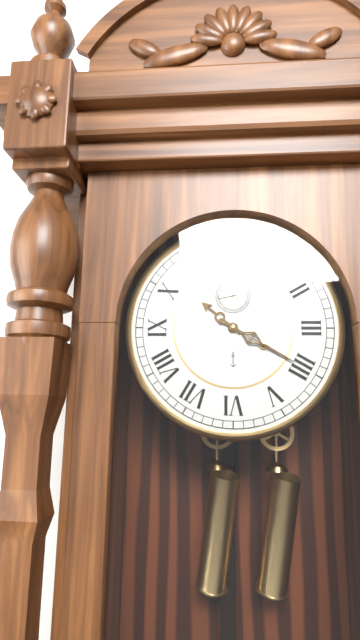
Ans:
10 h 20 min
